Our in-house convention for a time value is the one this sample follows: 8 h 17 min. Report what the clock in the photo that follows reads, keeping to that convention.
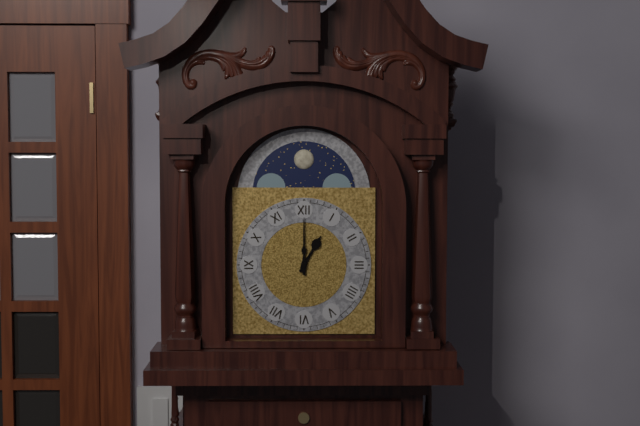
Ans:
1 h 00 min
